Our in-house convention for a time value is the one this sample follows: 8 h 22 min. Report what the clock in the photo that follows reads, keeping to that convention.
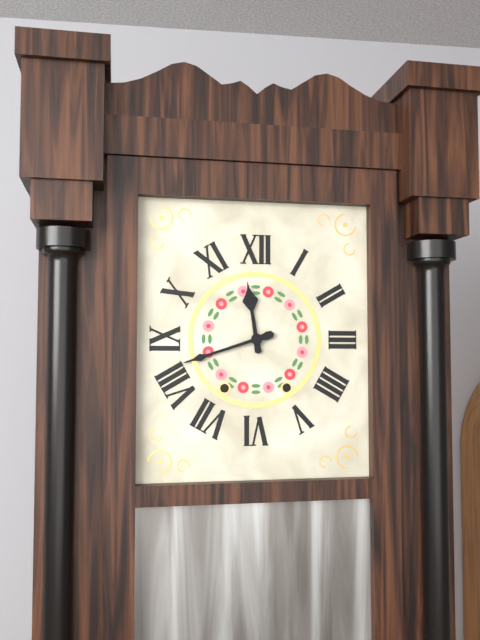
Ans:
11 h 42 min
